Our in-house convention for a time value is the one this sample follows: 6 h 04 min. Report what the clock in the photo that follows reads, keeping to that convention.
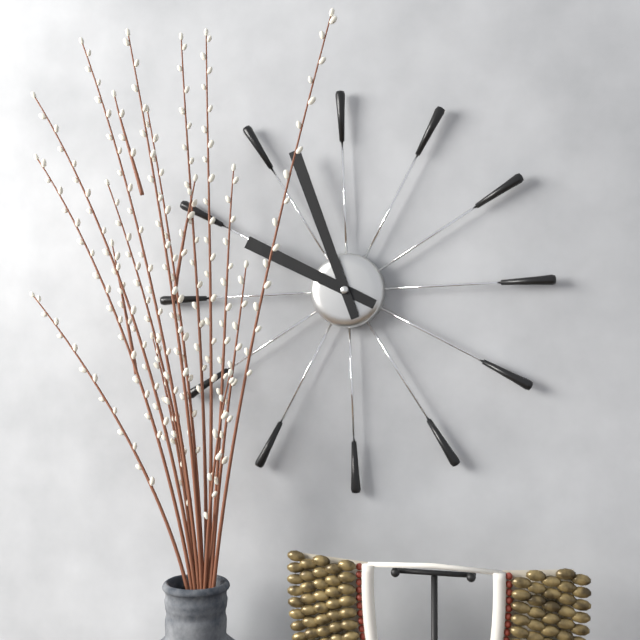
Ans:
9 h 57 min
